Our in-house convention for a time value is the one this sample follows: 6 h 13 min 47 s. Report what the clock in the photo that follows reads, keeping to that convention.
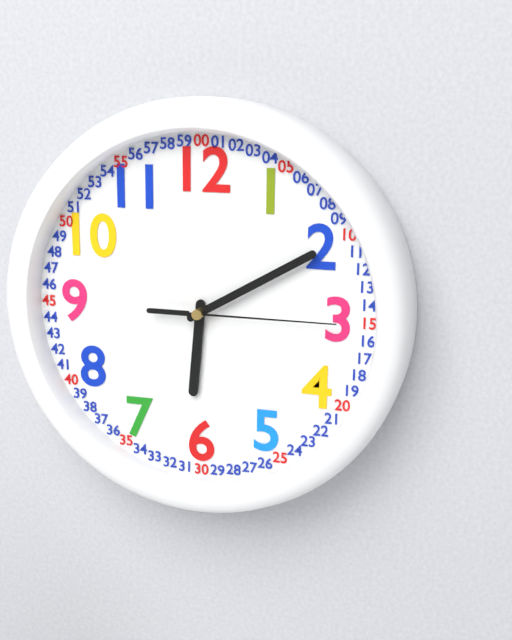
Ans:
6 h 10 min 15 s
